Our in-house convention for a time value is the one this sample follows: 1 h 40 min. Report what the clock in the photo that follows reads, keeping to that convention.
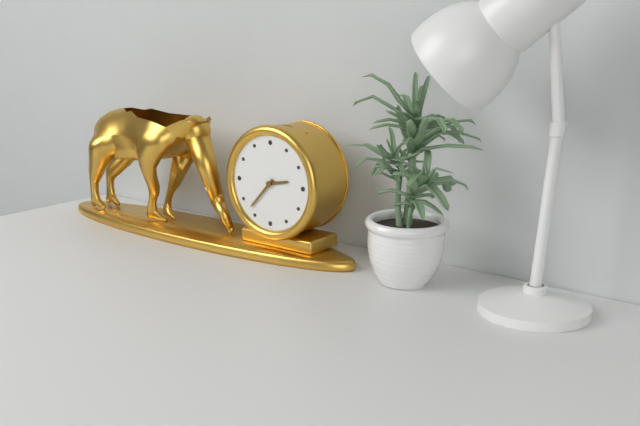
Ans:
2 h 37 min
